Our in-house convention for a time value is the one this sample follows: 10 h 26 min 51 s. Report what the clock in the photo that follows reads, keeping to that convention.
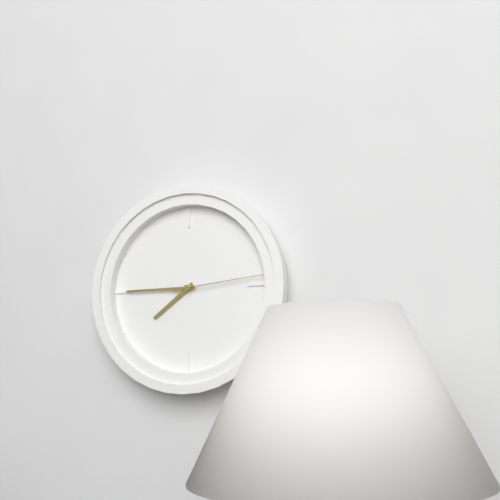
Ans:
7 h 45 min 14 s
